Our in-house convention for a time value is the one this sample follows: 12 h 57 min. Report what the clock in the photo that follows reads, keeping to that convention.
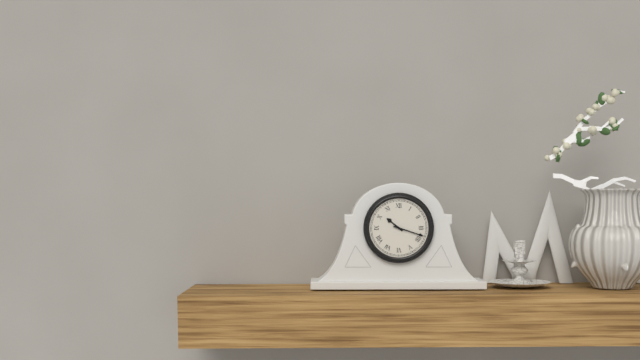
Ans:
10 h 18 min
